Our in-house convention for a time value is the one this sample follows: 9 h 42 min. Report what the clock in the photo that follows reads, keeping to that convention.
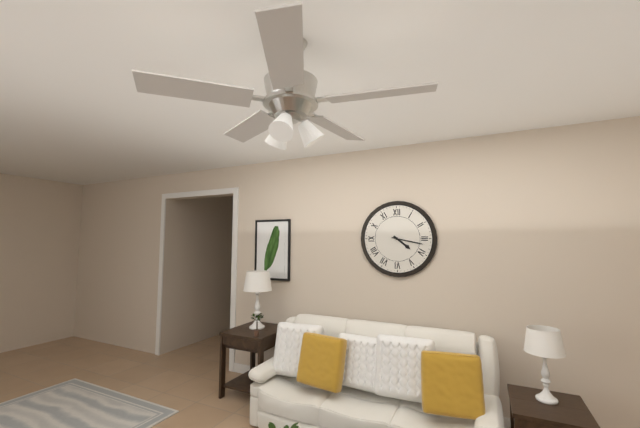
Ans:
4 h 17 min
